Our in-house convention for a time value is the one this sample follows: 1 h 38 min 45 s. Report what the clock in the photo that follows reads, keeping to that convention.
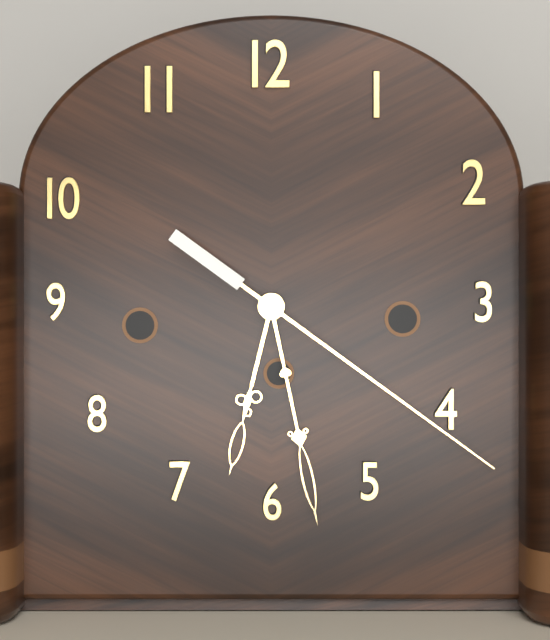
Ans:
6 h 28 min 21 s
